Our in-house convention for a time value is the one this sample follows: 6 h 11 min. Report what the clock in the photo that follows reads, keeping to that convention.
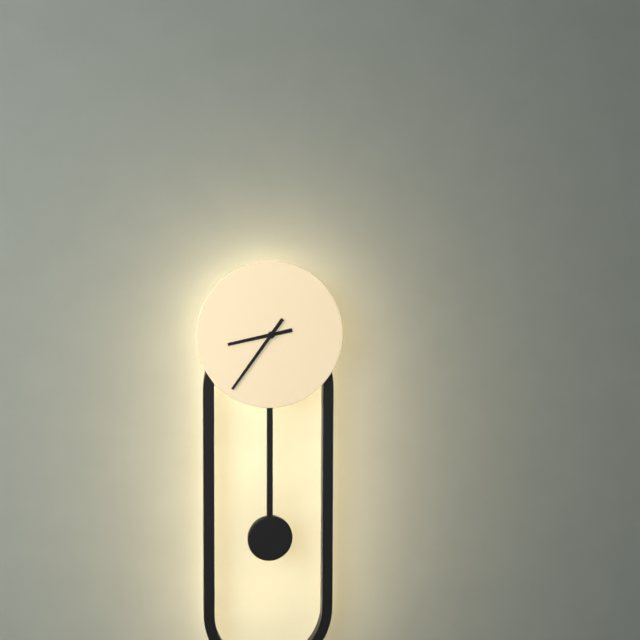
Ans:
8 h 36 min
